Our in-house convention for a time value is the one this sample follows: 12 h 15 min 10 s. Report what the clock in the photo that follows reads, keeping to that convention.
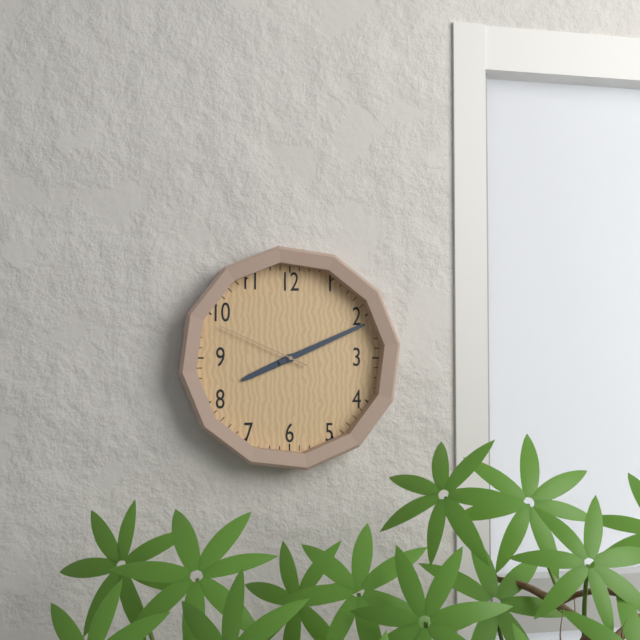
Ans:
8 h 11 min 49 s
